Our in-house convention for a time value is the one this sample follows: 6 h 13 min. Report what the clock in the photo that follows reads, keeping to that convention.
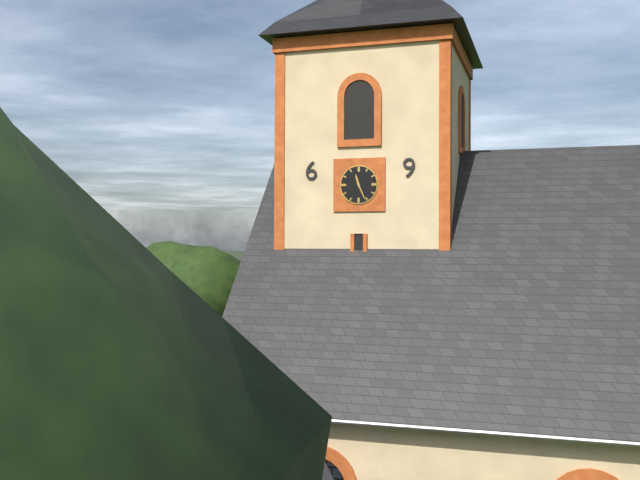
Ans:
11 h 26 min
